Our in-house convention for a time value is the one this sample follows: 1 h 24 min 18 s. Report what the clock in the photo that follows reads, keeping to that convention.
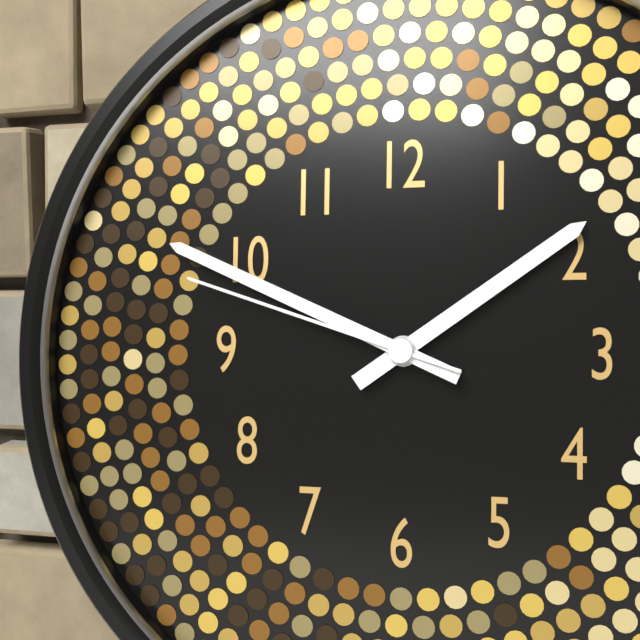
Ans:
1 h 49 min 48 s
